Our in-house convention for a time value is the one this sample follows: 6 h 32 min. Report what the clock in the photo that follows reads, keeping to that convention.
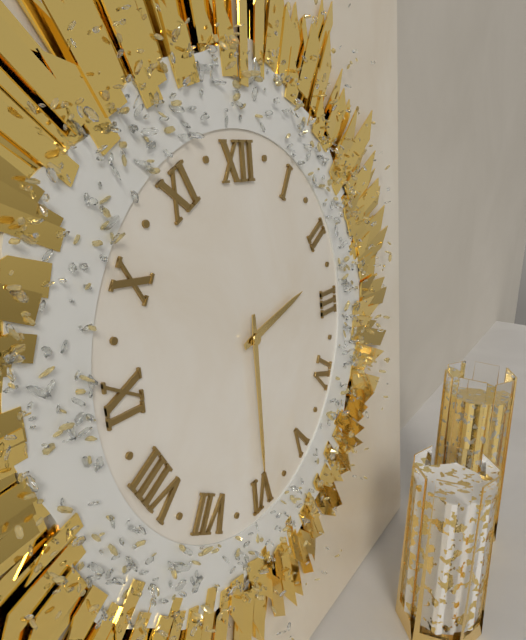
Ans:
2 h 30 min
